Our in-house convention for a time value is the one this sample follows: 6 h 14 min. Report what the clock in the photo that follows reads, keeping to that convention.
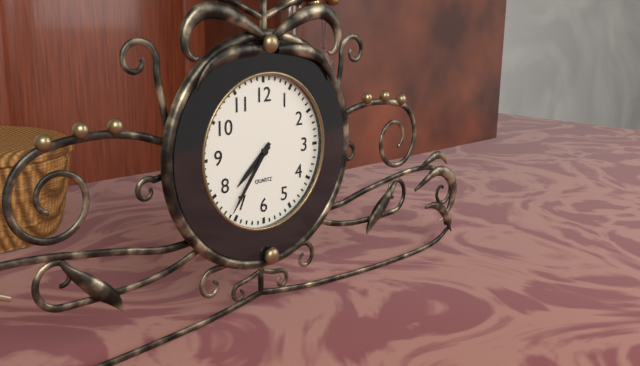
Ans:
7 h 36 min
